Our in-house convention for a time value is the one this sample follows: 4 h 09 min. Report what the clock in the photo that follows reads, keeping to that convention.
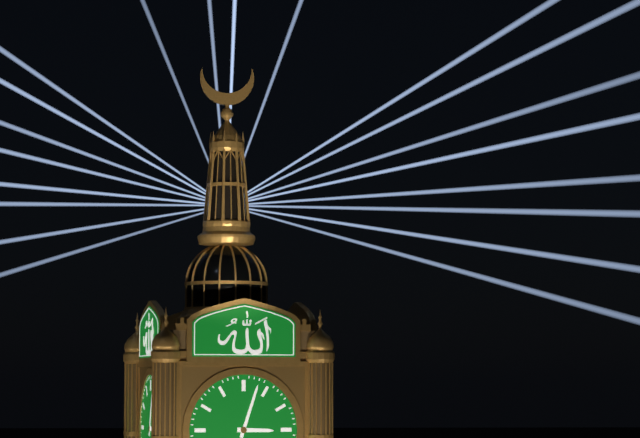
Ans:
3 h 03 min
